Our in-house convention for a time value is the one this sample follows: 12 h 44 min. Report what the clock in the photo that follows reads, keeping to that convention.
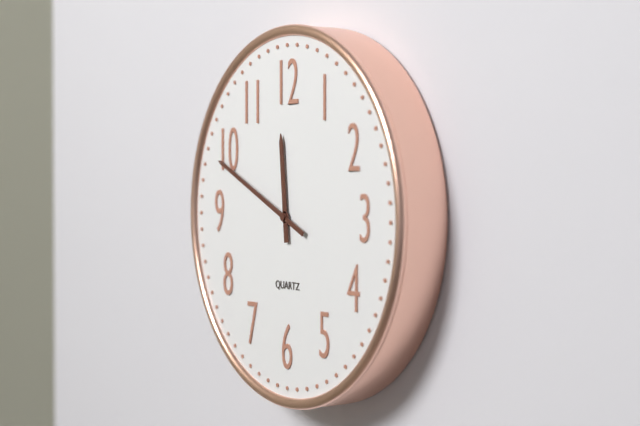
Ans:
11 h 49 min
